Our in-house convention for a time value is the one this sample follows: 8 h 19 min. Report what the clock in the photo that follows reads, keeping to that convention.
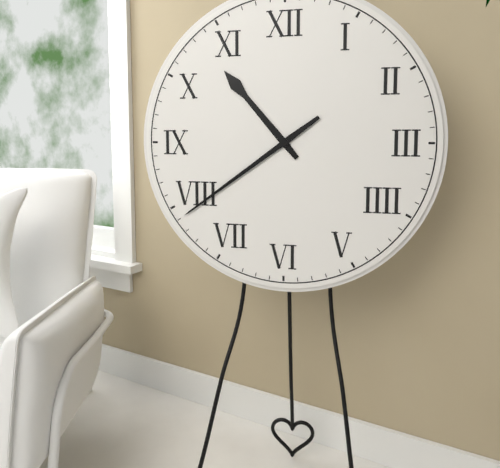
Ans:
10 h 39 min
